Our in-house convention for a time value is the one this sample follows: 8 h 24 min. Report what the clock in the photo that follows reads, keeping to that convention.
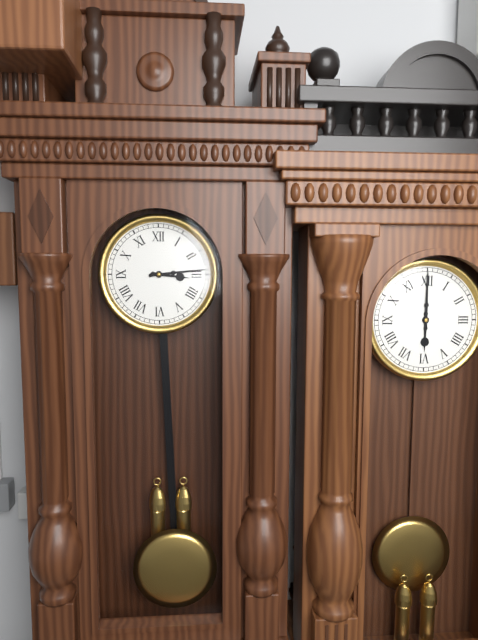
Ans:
3 h 14 min
